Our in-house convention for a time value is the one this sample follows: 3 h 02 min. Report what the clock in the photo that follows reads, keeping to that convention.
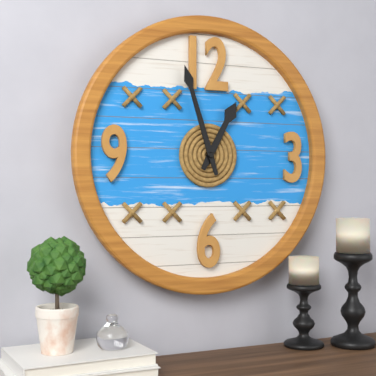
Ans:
12 h 57 min
